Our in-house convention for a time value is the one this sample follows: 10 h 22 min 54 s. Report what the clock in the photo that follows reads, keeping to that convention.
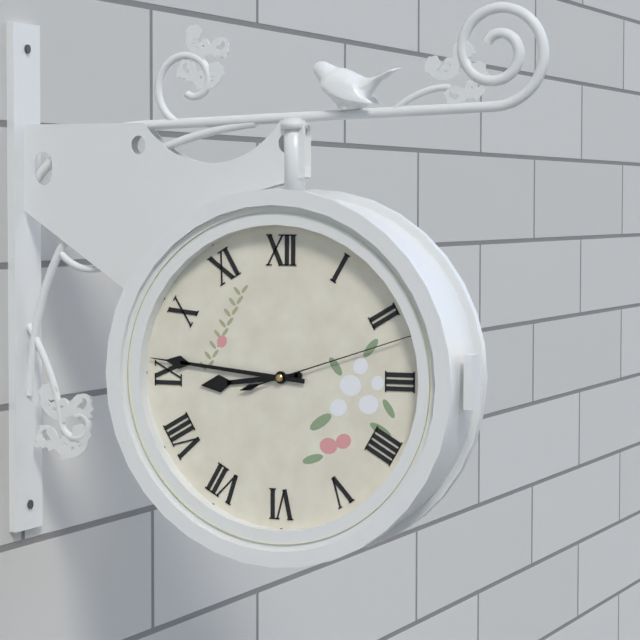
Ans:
8 h 46 min 12 s
